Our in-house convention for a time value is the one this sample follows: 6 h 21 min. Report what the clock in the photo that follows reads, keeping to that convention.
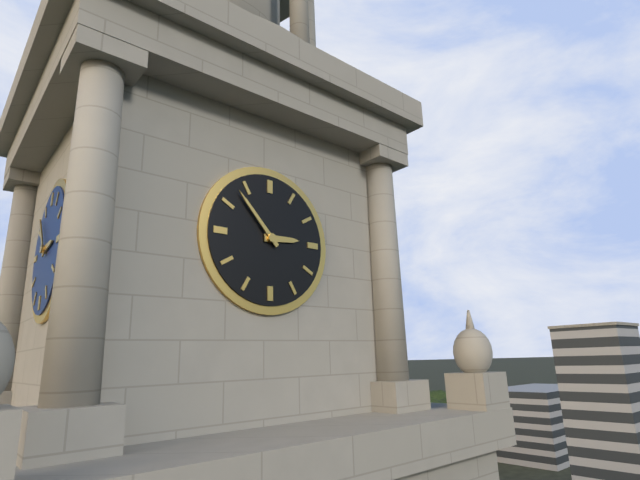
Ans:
2 h 53 min
